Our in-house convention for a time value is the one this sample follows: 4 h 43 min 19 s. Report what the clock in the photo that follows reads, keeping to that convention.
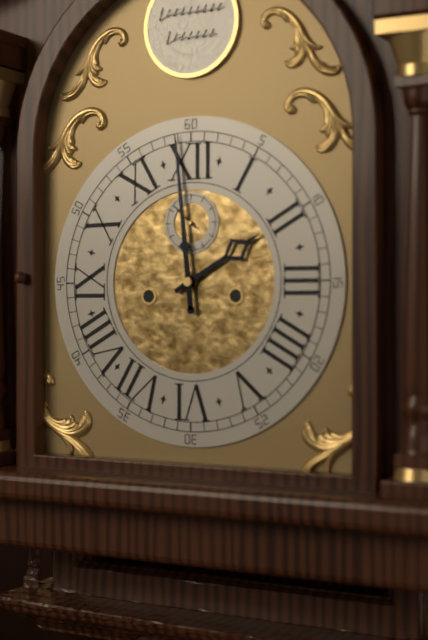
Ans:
1 h 59 min 52 s
